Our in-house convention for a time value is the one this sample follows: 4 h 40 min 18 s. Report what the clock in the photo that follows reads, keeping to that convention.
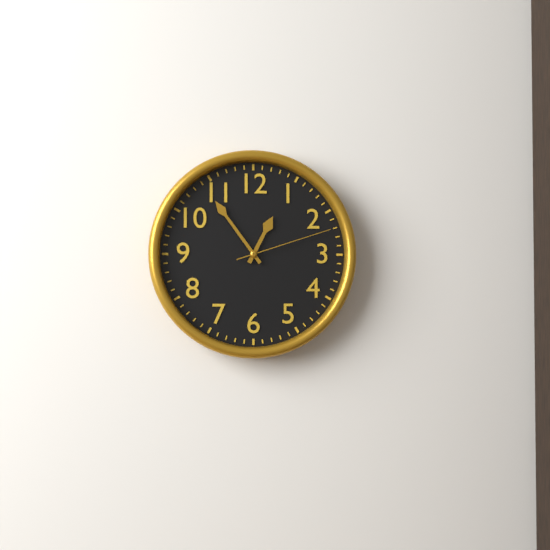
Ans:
12 h 54 min 12 s
